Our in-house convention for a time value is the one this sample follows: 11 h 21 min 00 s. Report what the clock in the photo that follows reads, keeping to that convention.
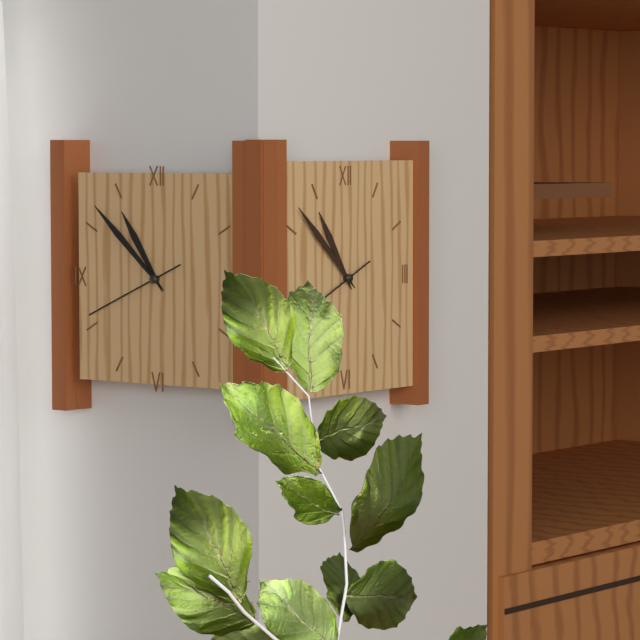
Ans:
10 h 52 min 41 s
